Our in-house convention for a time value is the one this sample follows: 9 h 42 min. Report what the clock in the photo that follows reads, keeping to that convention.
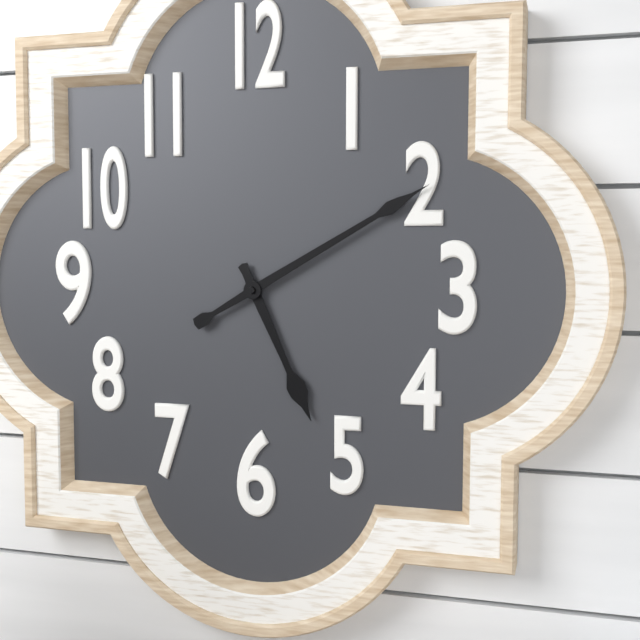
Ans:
5 h 10 min
